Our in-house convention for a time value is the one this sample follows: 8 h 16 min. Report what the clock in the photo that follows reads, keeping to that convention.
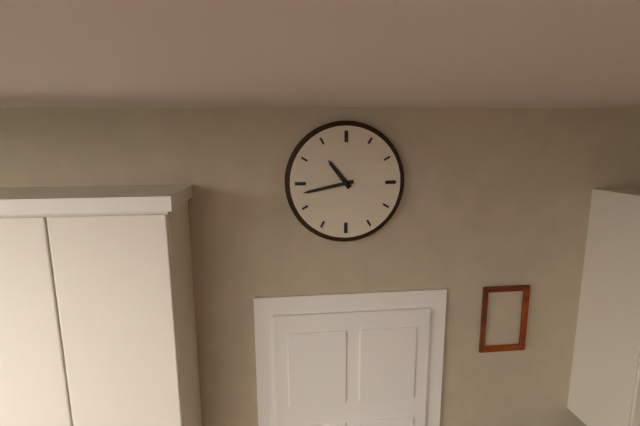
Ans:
10 h 43 min
